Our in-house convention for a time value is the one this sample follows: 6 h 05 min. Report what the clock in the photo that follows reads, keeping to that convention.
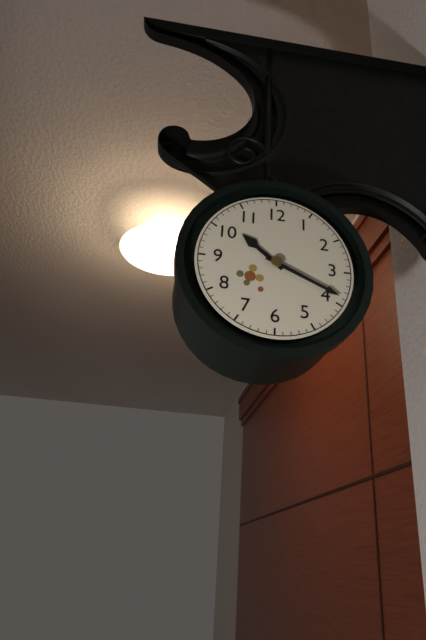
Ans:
10 h 19 min
